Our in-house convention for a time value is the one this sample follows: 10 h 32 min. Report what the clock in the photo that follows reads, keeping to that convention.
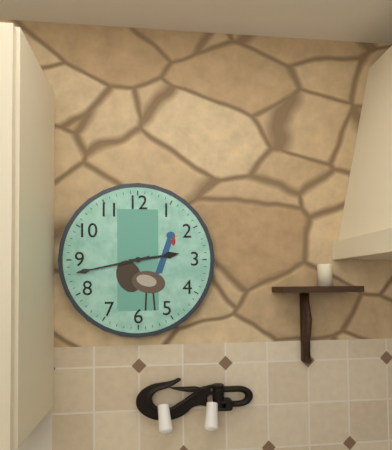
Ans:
2 h 43 min
